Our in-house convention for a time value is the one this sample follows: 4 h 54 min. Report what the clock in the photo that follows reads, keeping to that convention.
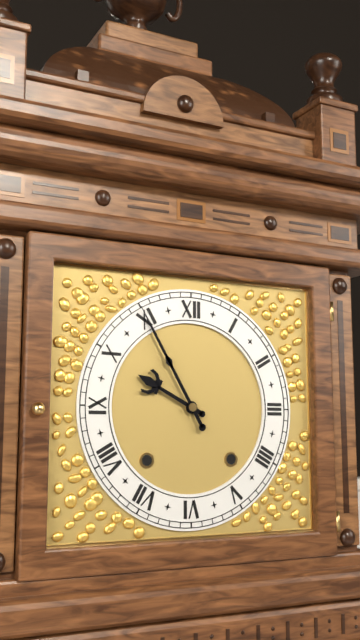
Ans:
9 h 55 min
